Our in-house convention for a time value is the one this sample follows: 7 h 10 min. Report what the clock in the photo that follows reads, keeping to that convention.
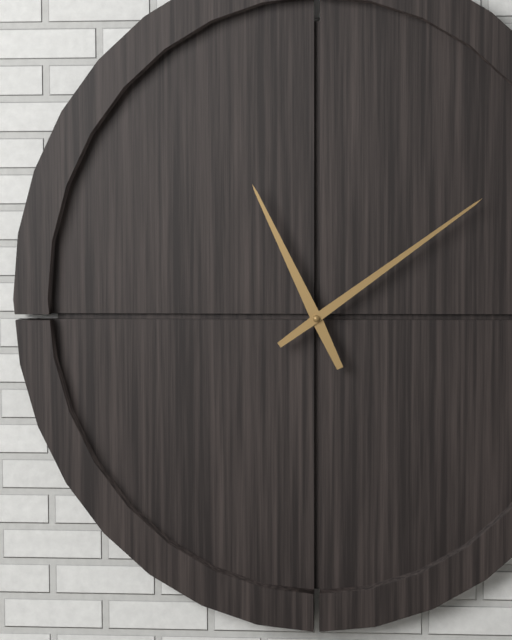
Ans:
11 h 09 min
